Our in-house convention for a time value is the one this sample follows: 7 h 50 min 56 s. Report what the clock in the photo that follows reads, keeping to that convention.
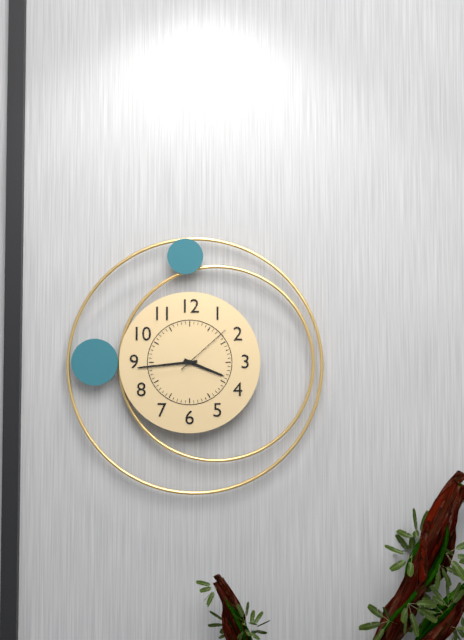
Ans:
3 h 44 min 08 s
